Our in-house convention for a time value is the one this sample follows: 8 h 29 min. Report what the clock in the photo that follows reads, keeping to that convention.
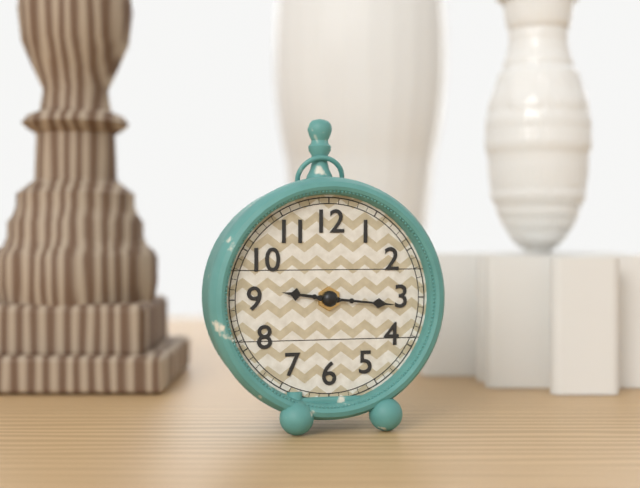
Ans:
9 h 16 min
